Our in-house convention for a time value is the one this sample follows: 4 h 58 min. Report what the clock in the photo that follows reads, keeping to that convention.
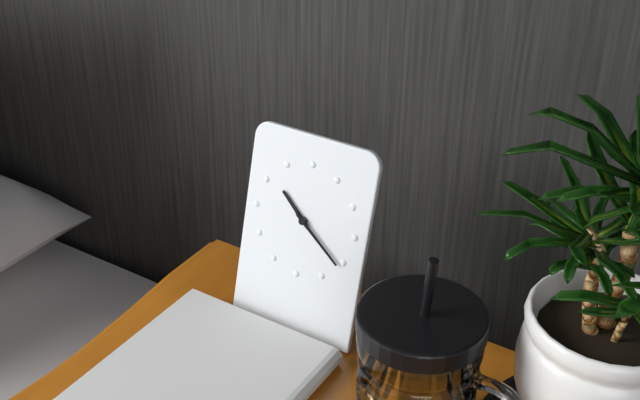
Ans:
10 h 21 min
